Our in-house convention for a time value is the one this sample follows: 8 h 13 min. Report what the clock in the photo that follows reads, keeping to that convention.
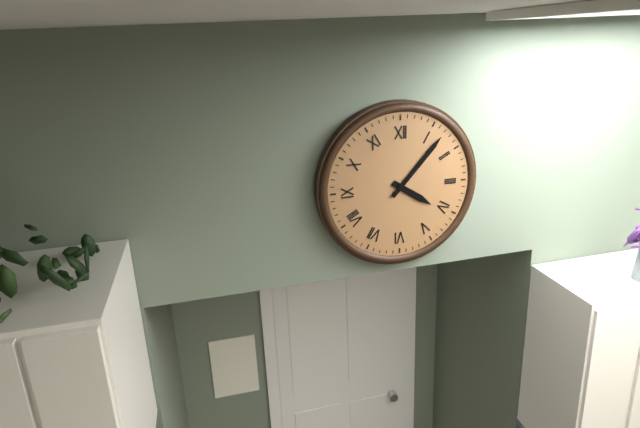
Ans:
4 h 07 min
